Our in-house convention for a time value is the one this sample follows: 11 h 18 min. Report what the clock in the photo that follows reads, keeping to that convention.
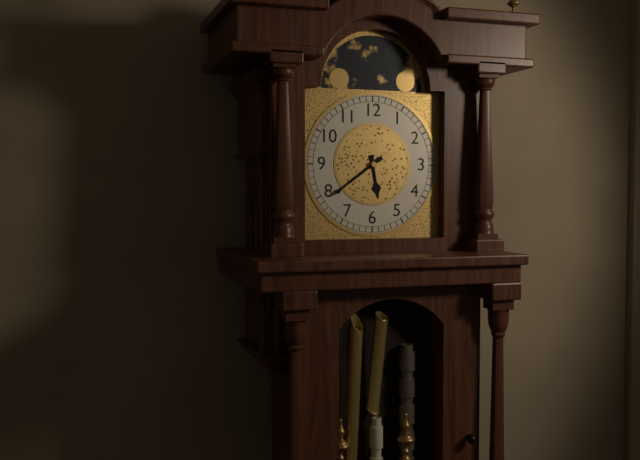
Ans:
5 h 39 min
